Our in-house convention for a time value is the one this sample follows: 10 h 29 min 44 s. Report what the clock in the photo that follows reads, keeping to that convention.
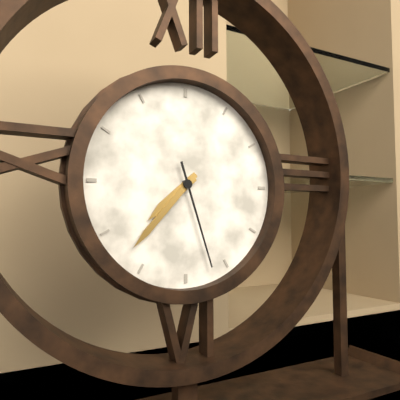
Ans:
7 h 37 min 27 s
